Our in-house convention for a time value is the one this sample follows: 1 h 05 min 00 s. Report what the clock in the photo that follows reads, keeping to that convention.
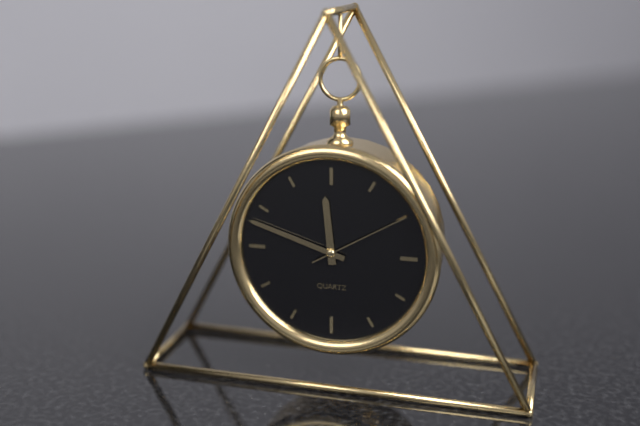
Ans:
11 h 48 min 10 s
